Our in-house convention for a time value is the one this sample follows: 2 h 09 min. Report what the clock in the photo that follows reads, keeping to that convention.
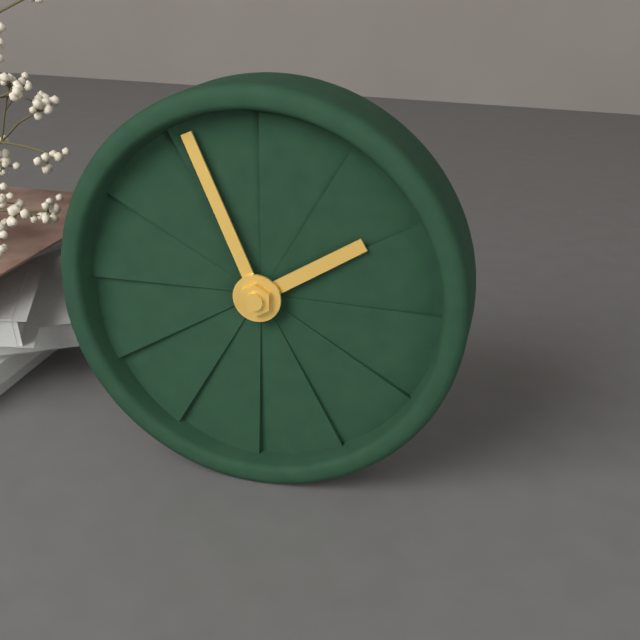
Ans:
1 h 56 min
